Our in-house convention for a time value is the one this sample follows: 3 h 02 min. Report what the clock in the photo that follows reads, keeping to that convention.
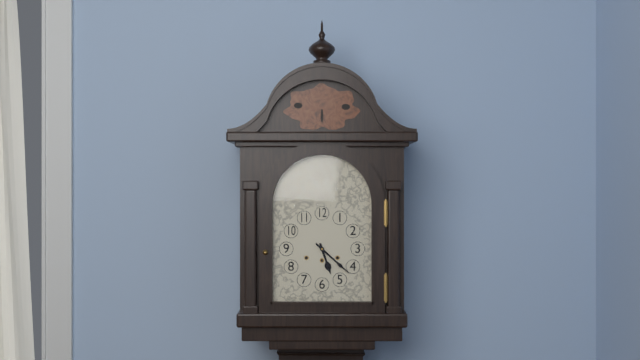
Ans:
5 h 22 min
